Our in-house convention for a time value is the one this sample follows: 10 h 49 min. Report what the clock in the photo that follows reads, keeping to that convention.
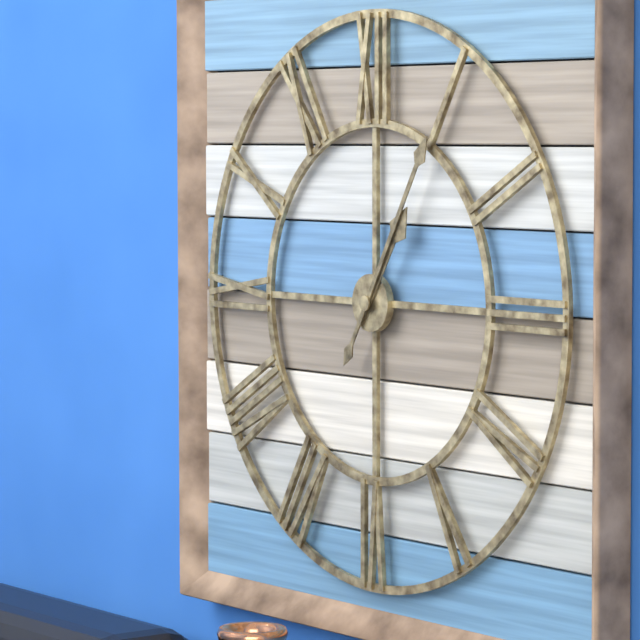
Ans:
1 h 05 min
